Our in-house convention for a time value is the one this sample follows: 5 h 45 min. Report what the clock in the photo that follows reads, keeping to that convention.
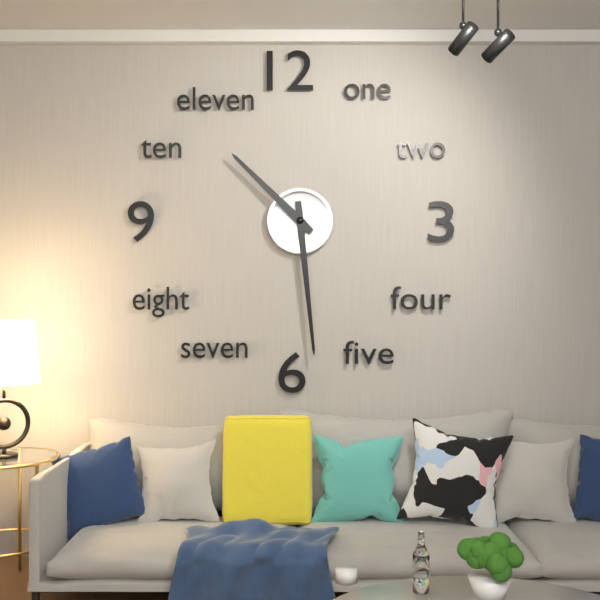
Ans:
10 h 29 min
